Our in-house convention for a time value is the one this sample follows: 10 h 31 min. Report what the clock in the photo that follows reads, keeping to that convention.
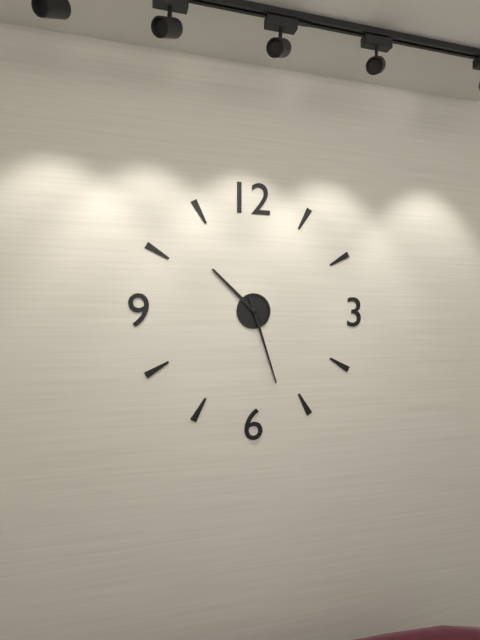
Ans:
10 h 27 min
